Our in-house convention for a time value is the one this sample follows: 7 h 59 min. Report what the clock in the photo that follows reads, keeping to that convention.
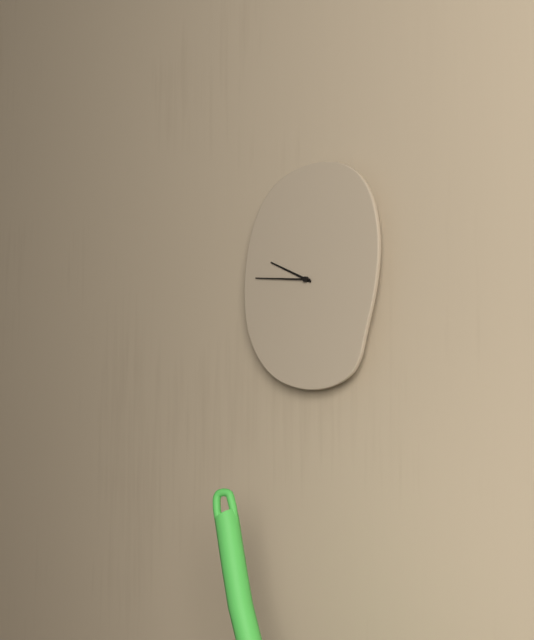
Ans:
9 h 46 min
